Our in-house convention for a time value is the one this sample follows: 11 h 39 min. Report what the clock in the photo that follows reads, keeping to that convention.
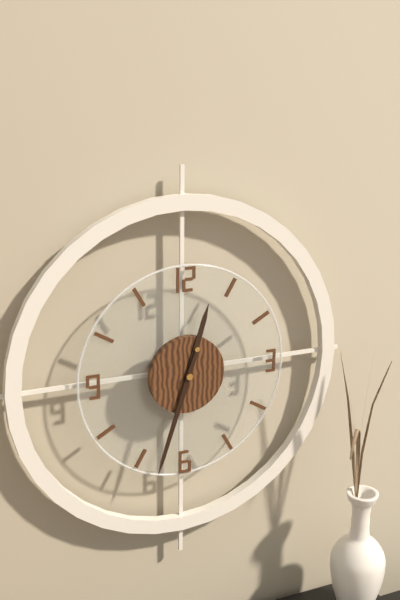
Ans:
12 h 33 min
